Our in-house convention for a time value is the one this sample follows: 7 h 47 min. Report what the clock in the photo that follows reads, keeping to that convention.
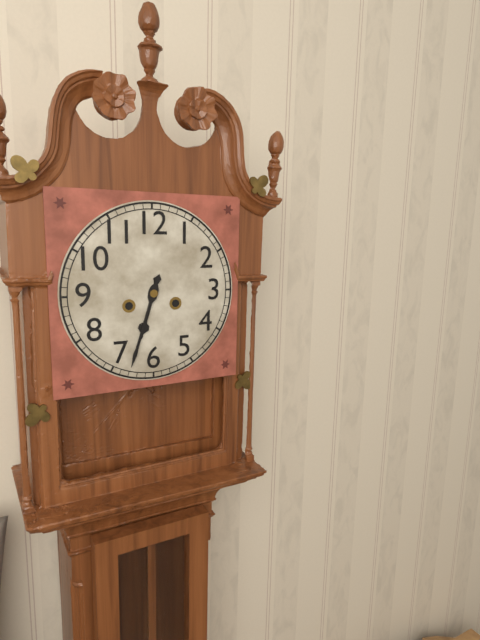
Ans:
6 h 33 min
